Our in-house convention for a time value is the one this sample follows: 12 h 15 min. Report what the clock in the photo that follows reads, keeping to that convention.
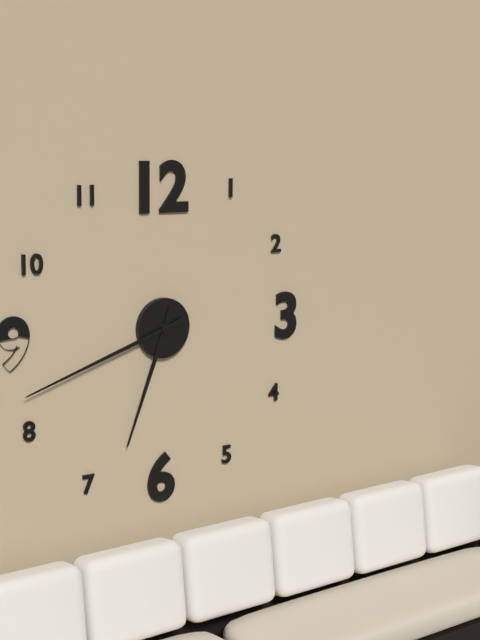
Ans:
6 h 42 min
